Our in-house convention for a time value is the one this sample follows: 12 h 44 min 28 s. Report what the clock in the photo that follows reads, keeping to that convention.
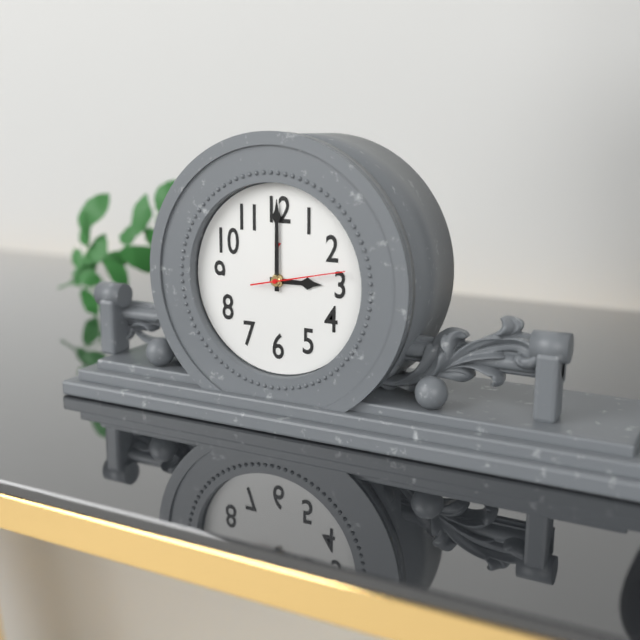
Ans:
3 h 00 min 13 s
